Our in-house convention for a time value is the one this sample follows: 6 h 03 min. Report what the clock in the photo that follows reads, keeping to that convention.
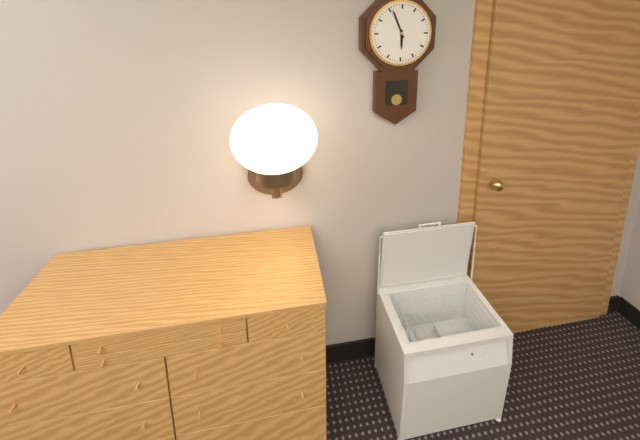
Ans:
5 h 56 min
